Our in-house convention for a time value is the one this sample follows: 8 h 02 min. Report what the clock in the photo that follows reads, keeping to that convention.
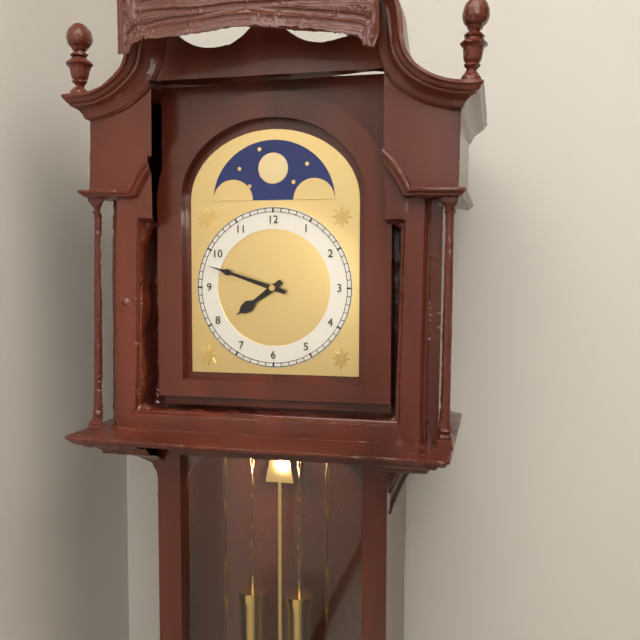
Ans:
7 h 48 min
